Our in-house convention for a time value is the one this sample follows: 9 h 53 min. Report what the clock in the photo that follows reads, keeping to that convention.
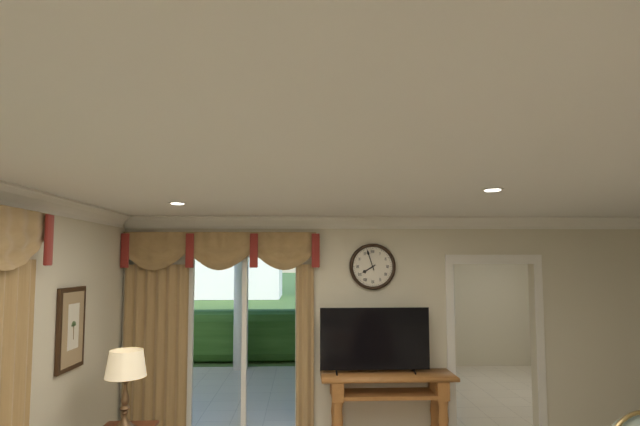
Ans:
7 h 57 min
